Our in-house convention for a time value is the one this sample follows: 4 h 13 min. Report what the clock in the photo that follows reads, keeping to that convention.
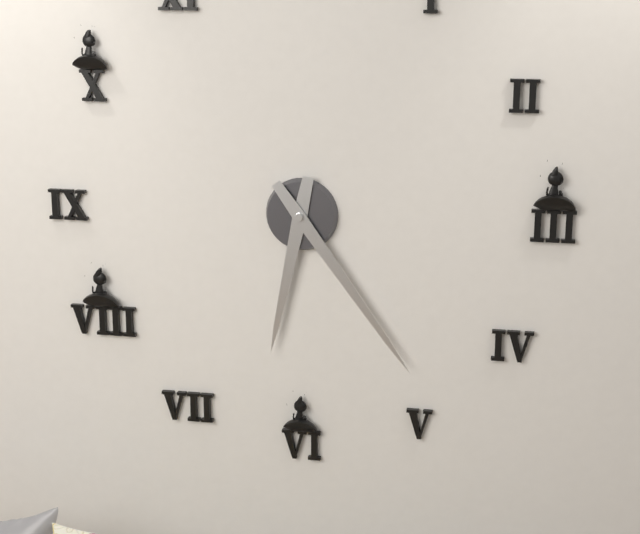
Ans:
6 h 24 min
